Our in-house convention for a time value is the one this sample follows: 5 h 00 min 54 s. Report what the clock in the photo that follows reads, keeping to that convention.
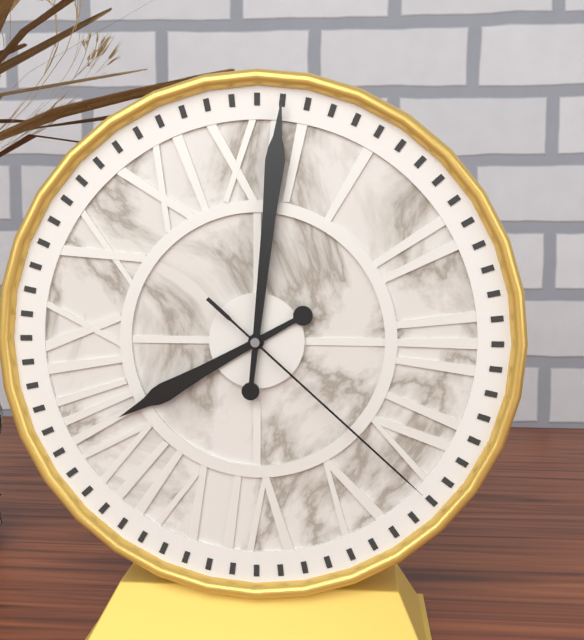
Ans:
8 h 01 min 22 s
